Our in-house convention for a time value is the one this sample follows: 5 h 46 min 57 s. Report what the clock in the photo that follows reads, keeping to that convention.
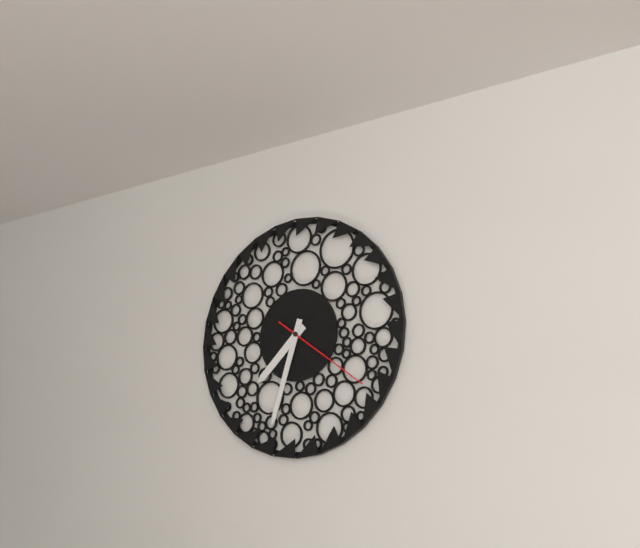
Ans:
7 h 33 min 21 s
